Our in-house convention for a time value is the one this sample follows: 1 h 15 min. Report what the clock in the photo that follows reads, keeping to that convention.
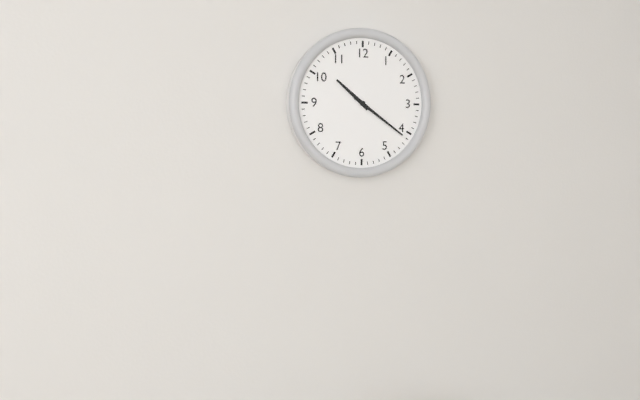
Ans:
10 h 21 min
